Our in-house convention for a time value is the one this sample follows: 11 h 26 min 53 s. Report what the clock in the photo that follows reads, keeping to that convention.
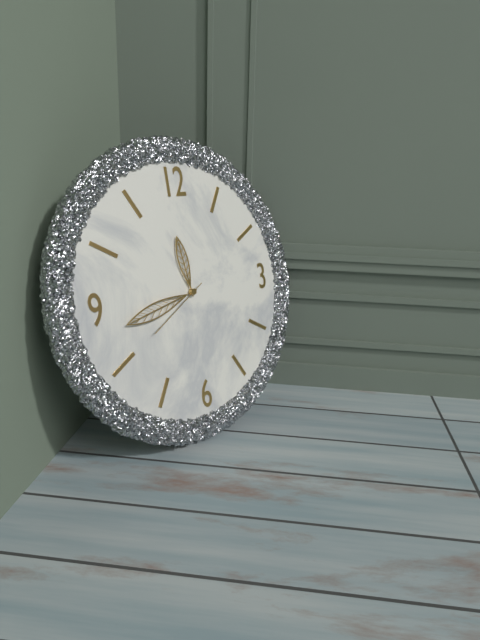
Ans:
11 h 43 min 40 s
